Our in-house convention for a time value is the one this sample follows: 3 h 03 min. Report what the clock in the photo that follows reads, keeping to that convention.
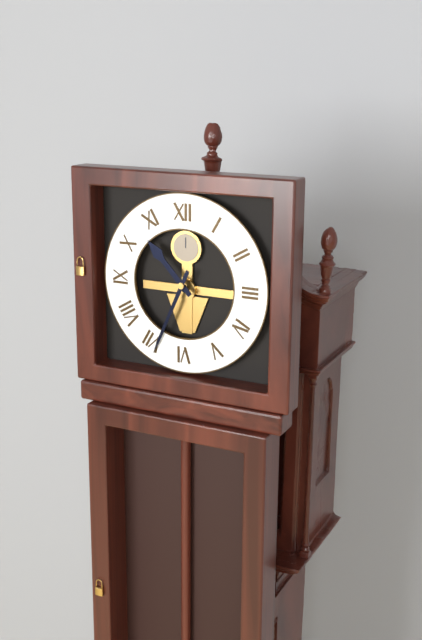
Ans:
10 h 34 min
